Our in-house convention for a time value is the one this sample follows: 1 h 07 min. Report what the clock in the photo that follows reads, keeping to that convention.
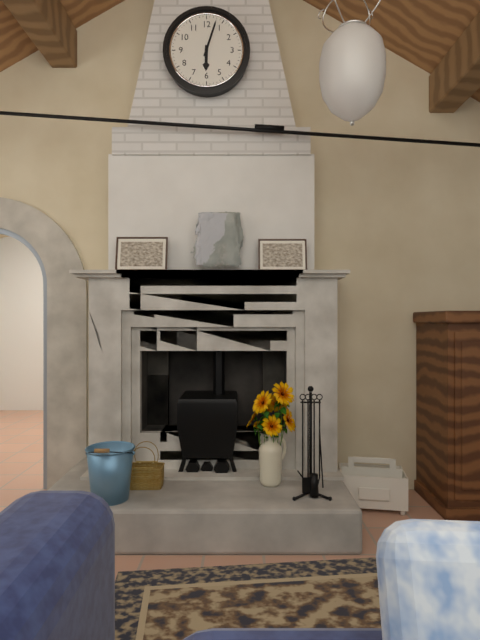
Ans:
6 h 03 min
